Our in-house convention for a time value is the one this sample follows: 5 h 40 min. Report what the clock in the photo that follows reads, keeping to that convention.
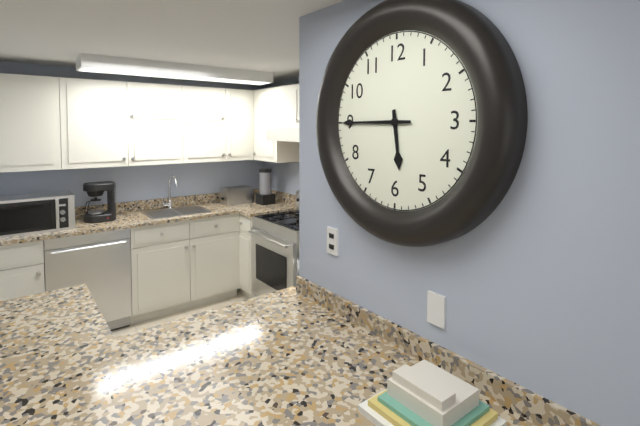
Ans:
5 h 45 min
